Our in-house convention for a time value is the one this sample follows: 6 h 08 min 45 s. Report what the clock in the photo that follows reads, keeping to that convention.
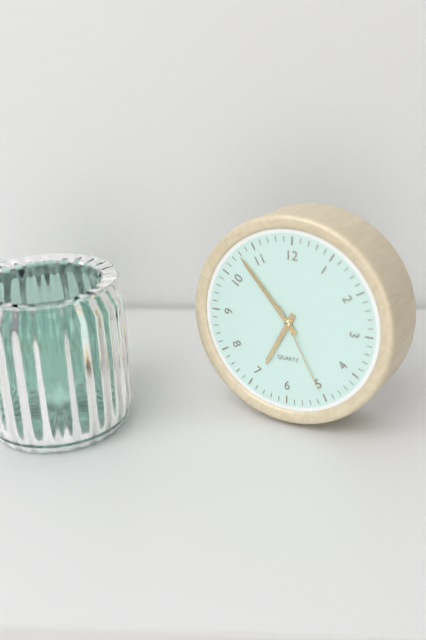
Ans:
6 h 53 min 25 s
